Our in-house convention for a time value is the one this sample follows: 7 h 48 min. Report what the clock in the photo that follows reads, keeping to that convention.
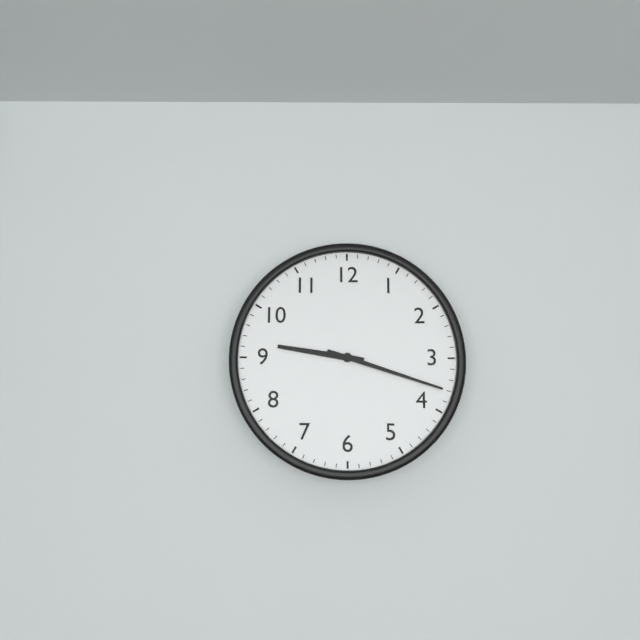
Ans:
9 h 18 min
